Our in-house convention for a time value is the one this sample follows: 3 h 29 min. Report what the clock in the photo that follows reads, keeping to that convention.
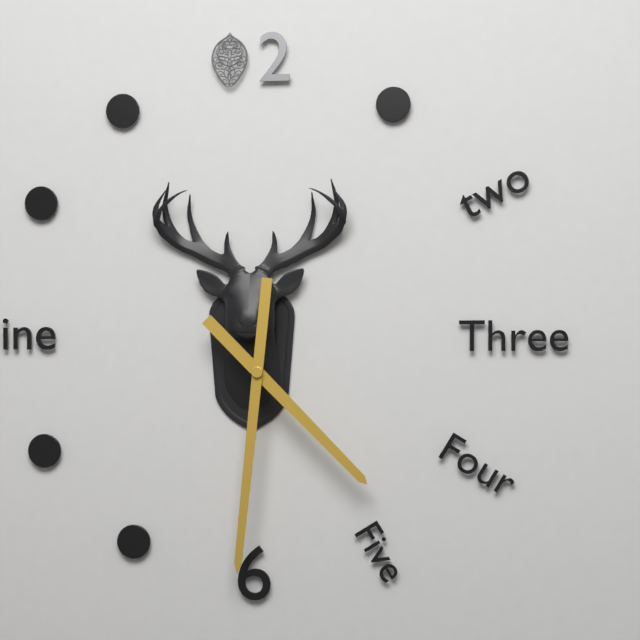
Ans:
4 h 31 min
